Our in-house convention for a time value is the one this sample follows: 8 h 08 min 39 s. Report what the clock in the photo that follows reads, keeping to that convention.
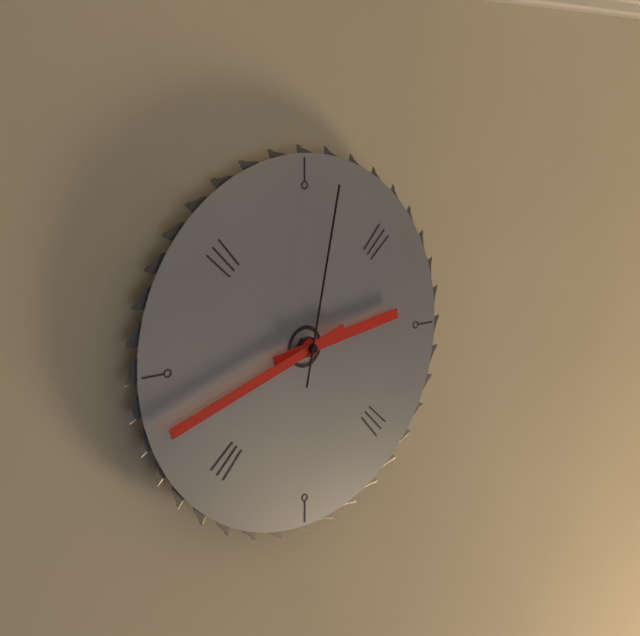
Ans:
2 h 42 min 02 s
